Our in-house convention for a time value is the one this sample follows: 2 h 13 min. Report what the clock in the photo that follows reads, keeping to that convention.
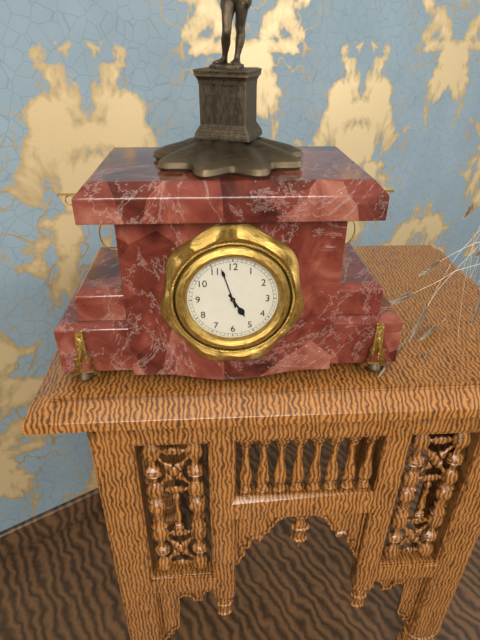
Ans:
4 h 57 min
